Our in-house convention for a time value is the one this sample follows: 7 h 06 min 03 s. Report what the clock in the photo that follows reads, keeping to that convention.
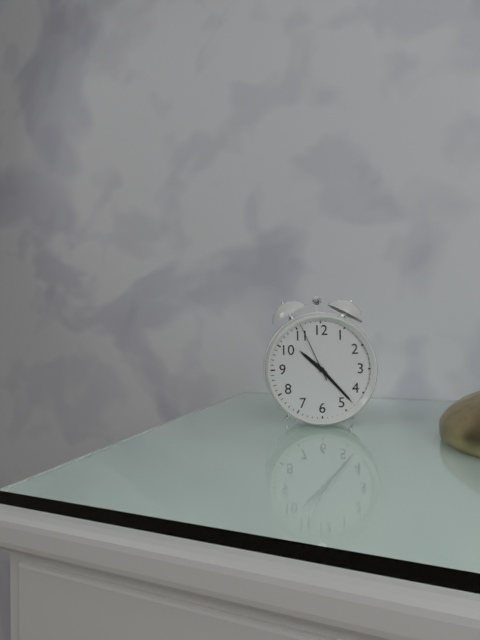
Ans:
10 h 23 min 56 s
